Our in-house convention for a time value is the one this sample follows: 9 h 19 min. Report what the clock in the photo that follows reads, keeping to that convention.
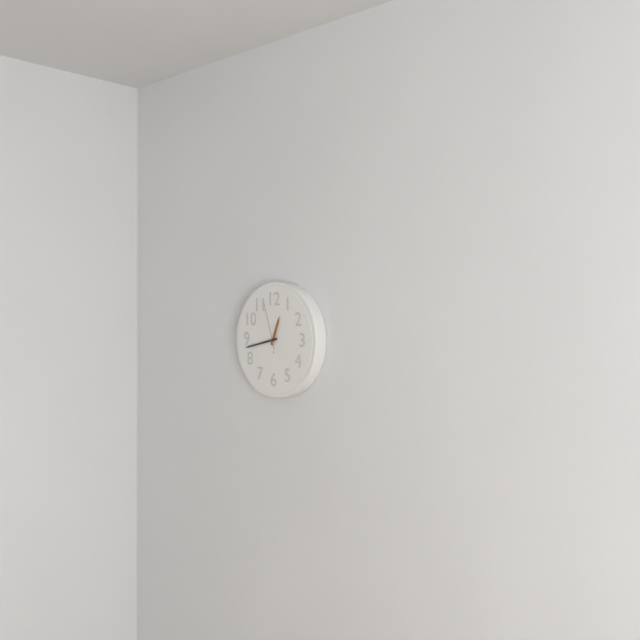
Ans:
12 h 43 min
